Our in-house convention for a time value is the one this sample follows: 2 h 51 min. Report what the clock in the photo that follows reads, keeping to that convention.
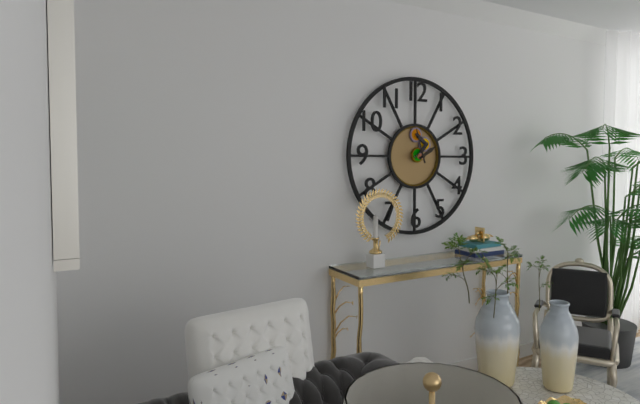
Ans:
1 h 57 min
